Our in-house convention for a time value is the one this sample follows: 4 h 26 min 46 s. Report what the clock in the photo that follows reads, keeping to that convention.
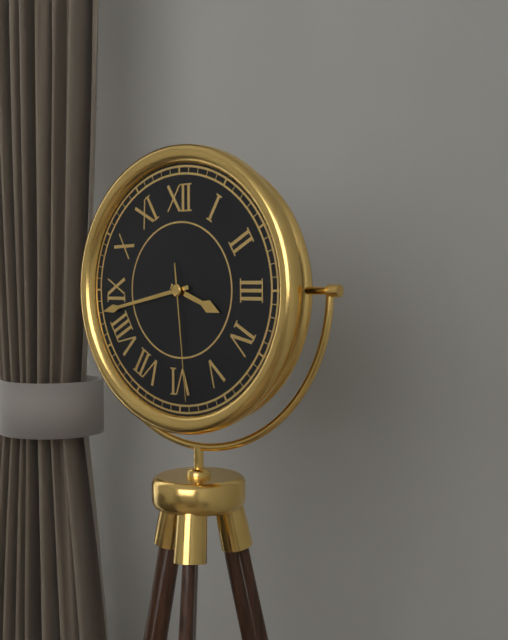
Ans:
3 h 43 min 29 s
